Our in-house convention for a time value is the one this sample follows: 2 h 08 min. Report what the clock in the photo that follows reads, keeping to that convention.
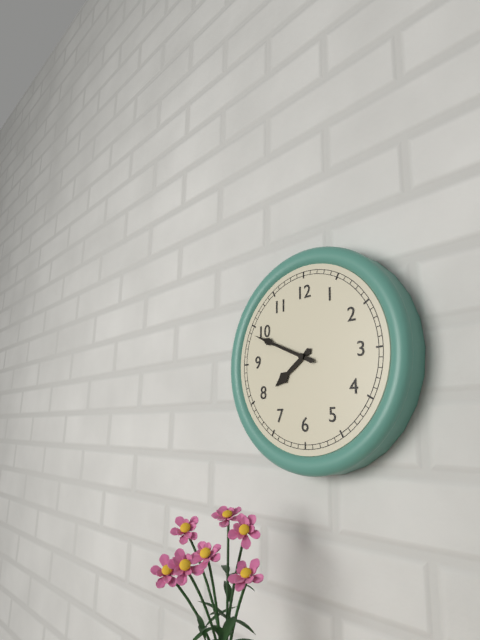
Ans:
7 h 49 min
